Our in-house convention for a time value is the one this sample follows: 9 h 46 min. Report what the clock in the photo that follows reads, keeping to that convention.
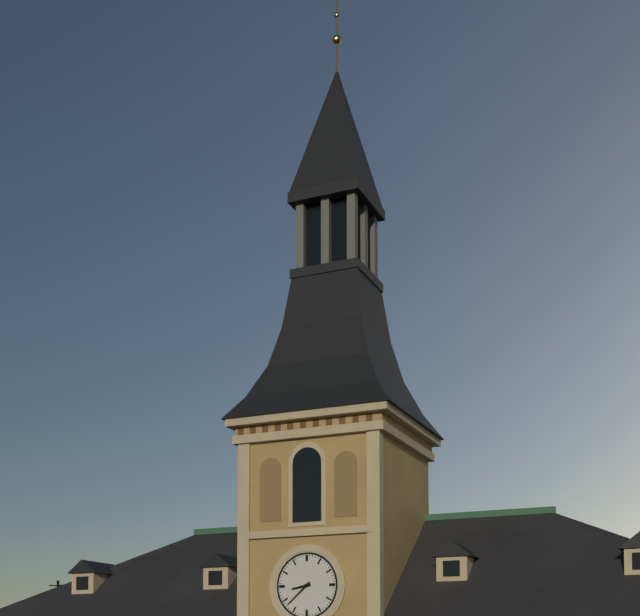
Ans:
8 h 38 min
